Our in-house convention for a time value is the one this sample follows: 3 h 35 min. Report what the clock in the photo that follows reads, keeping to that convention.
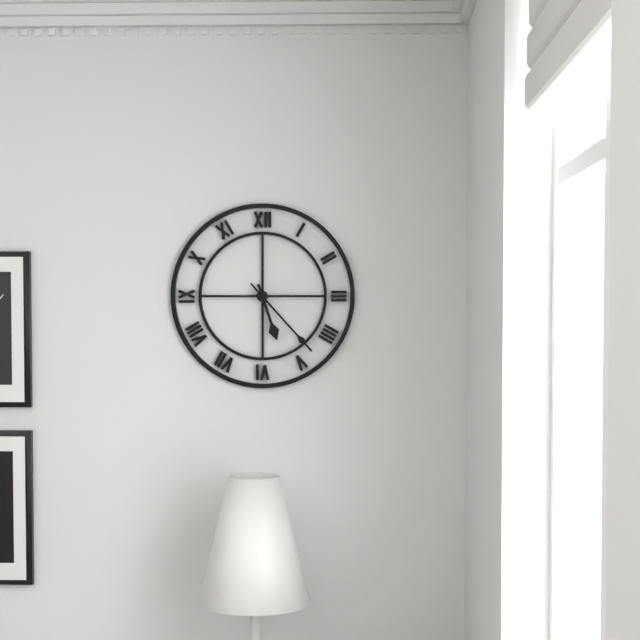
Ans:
5 h 23 min
